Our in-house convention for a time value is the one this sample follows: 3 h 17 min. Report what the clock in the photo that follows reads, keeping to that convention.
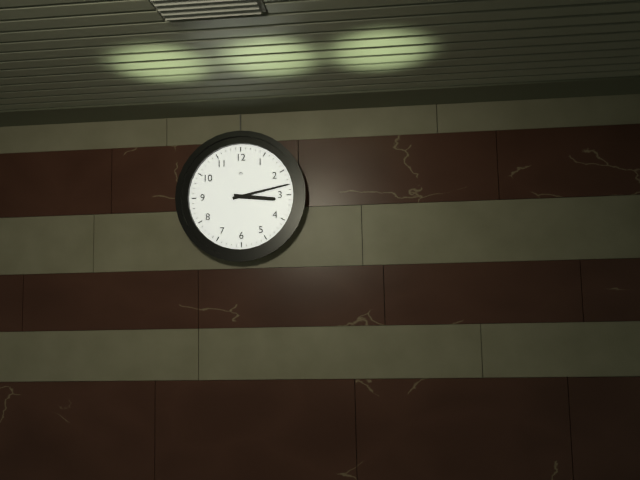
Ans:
3 h 13 min
